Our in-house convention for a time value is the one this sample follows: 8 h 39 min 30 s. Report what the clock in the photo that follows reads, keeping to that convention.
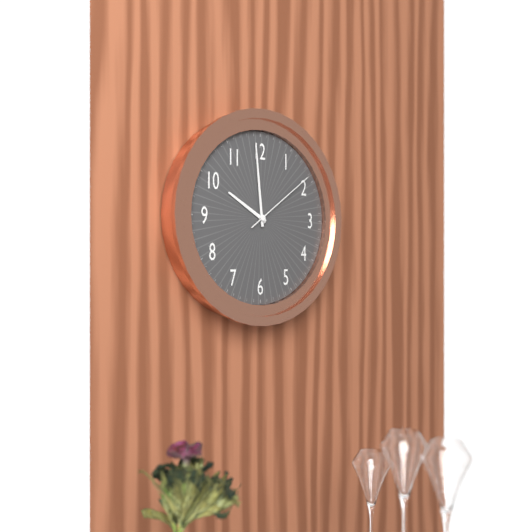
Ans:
9 h 59 min 09 s
